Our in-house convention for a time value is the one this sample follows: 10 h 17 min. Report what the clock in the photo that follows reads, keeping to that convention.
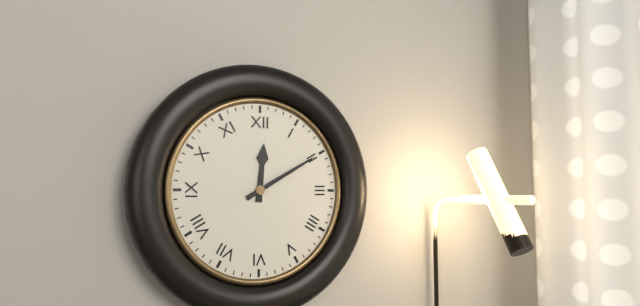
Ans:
12 h 10 min
